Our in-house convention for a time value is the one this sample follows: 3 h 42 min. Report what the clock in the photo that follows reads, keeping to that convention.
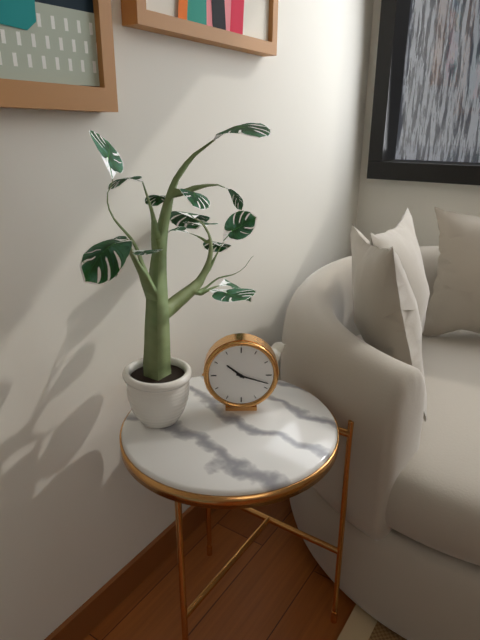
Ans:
10 h 18 min
